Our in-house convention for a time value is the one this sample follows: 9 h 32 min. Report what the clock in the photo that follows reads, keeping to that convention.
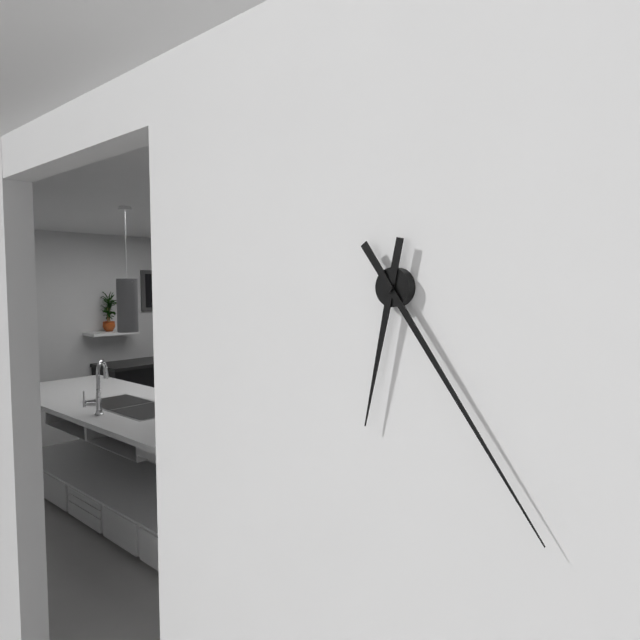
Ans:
6 h 24 min
